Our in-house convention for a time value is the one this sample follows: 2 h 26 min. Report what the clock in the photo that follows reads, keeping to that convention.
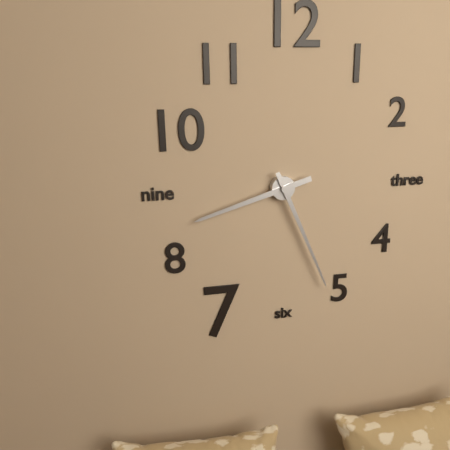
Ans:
8 h 26 min
